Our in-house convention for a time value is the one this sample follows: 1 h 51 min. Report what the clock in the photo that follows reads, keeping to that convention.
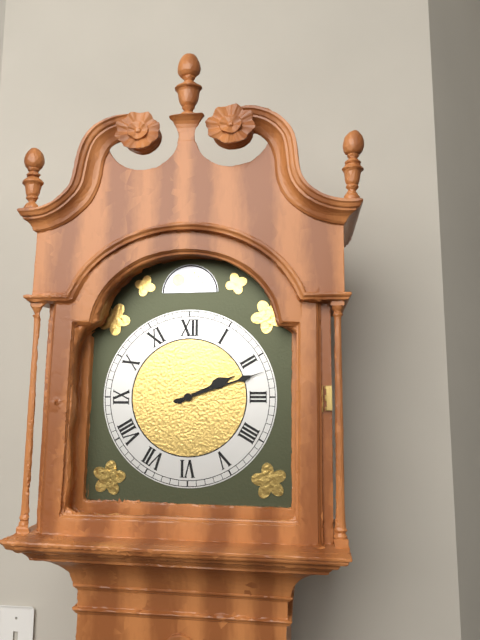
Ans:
2 h 12 min
